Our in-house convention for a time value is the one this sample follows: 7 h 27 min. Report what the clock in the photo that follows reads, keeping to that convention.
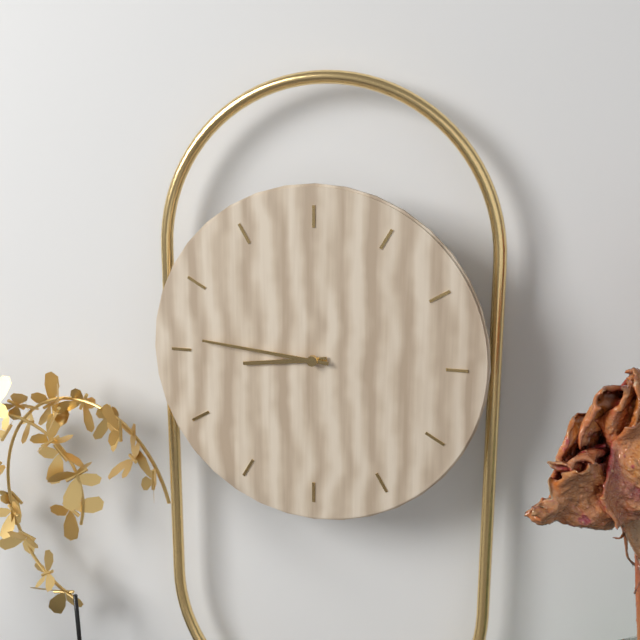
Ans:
8 h 46 min
